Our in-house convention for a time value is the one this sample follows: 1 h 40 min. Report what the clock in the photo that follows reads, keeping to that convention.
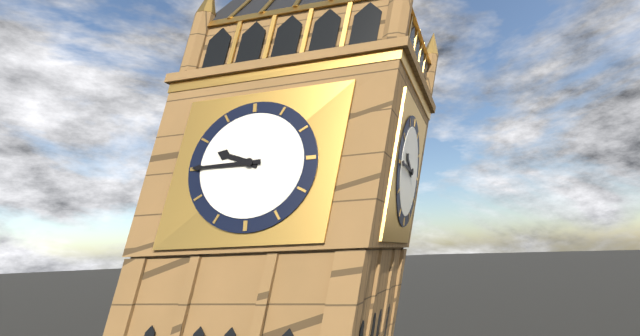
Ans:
9 h 45 min
